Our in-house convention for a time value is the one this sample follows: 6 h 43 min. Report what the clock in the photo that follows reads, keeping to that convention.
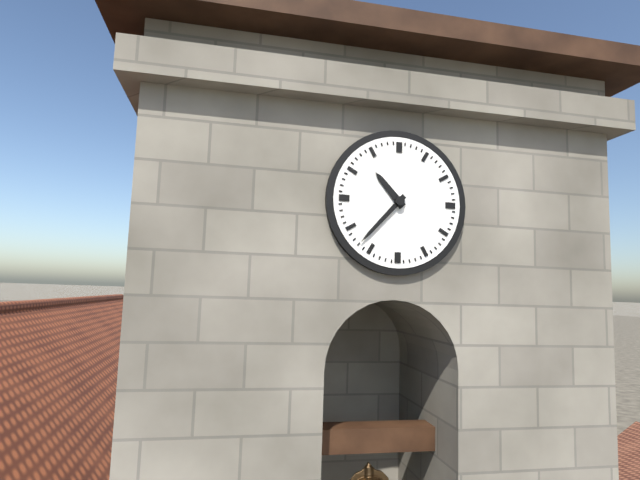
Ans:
10 h 37 min
